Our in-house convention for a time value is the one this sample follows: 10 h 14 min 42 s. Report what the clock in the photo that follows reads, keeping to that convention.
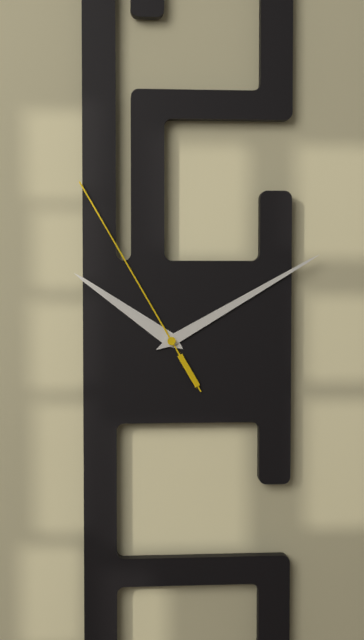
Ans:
10 h 10 min 55 s
